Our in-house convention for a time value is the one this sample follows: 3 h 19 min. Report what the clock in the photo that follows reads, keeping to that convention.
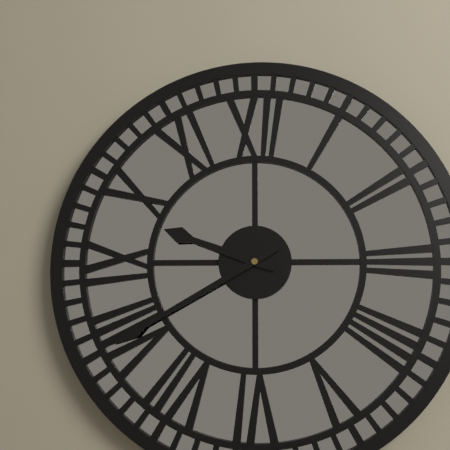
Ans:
9 h 40 min
